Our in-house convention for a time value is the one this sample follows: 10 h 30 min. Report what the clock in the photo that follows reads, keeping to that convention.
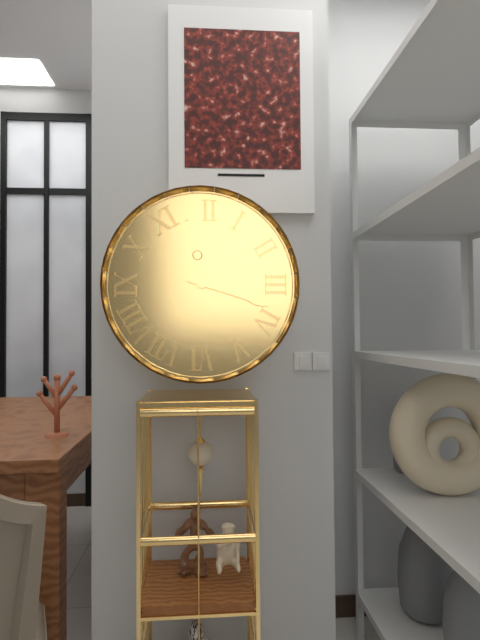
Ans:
6 h 18 min
